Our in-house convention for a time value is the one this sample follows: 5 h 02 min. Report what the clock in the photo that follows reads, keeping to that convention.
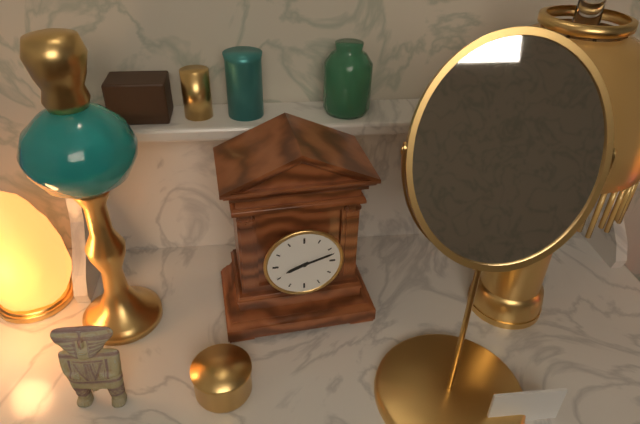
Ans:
8 h 12 min
